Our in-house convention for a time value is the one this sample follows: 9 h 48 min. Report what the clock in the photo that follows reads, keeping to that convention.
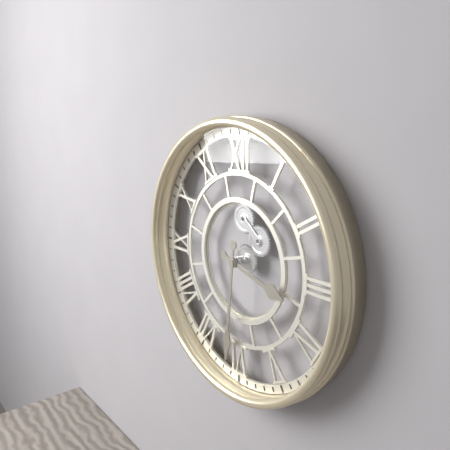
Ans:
3 h 31 min
